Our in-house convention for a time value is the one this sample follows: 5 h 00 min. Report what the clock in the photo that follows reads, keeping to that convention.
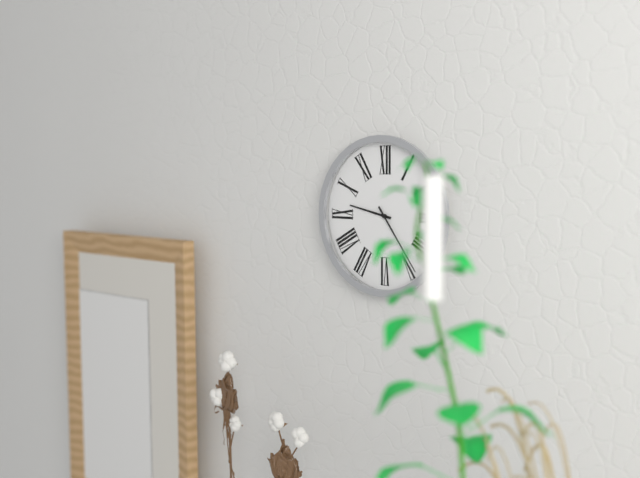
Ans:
9 h 24 min
